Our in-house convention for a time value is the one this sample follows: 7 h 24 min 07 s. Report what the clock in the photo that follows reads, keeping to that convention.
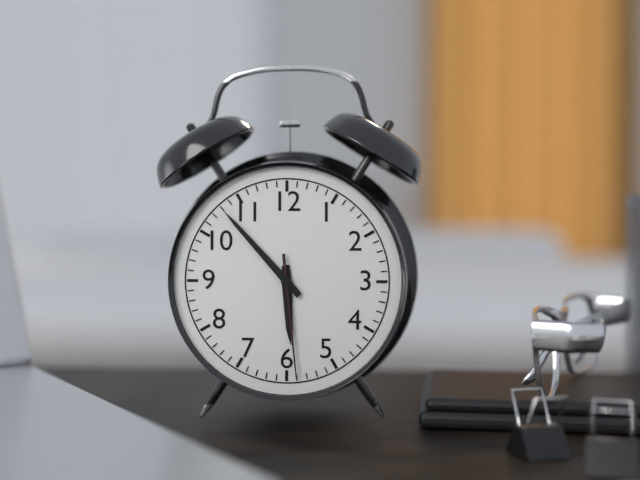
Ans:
5 h 53 min 29 s
